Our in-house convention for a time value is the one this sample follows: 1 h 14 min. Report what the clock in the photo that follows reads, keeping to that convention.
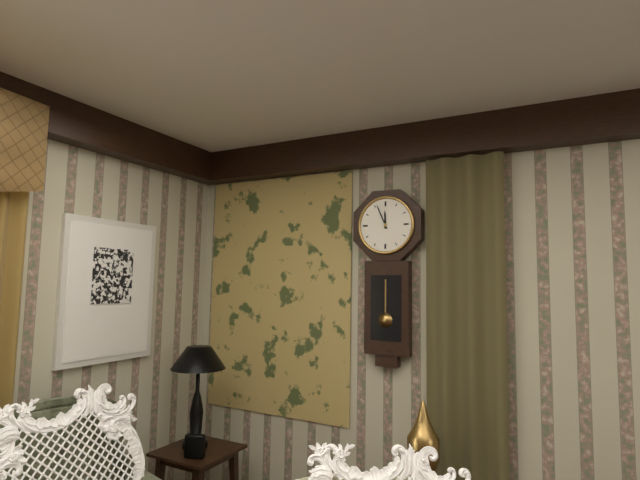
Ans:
11 h 56 min
